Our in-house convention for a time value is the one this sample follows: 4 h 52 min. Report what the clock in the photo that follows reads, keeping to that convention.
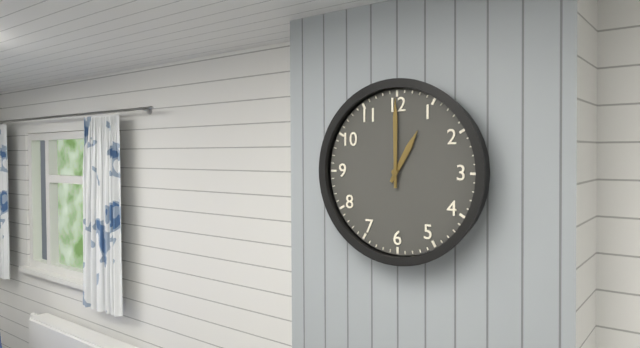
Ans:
1 h 00 min
